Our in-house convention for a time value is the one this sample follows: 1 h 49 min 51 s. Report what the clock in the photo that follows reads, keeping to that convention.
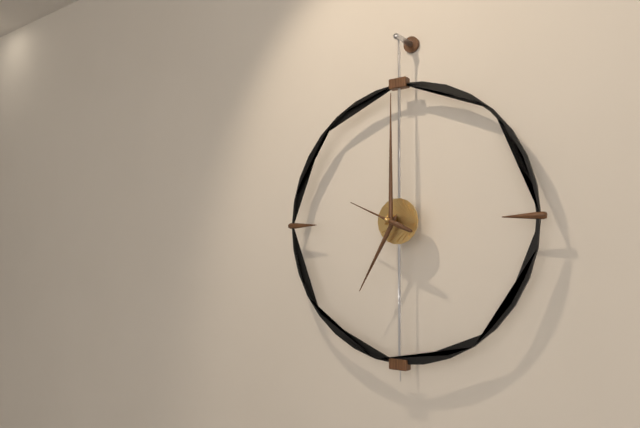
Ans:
7 h 00 min 49 s
